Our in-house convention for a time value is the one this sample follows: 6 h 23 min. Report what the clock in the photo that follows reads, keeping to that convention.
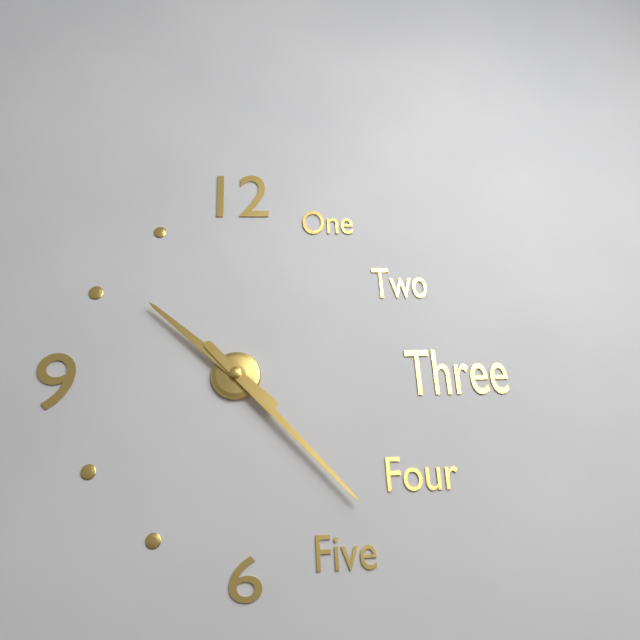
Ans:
10 h 23 min
